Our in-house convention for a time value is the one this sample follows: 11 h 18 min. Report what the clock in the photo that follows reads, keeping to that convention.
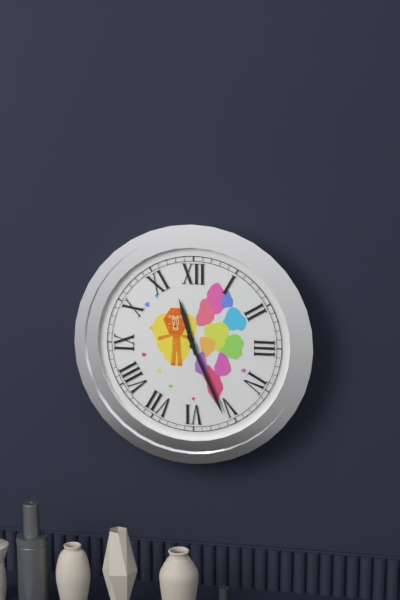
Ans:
11 h 26 min
